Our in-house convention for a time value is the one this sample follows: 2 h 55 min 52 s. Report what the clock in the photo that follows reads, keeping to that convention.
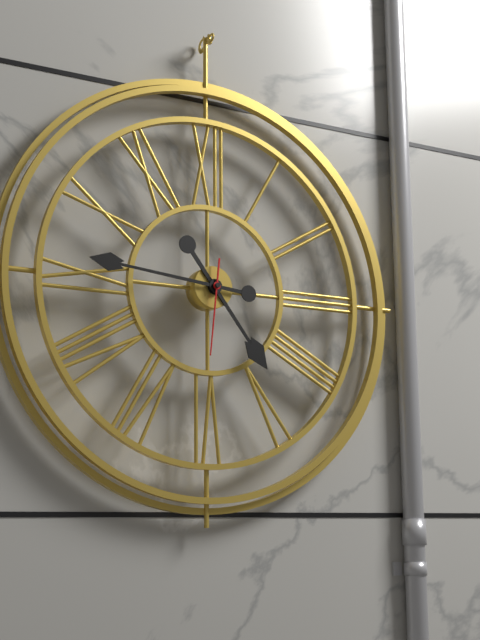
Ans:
4 h 46 min 31 s
